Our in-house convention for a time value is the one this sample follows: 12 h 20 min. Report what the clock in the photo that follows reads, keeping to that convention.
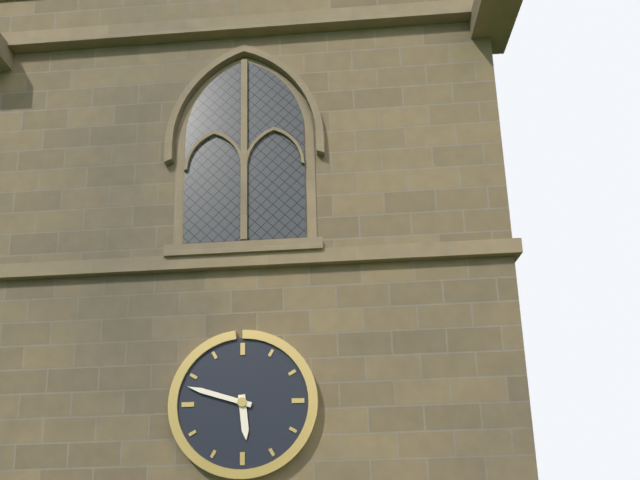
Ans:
5 h 48 min
